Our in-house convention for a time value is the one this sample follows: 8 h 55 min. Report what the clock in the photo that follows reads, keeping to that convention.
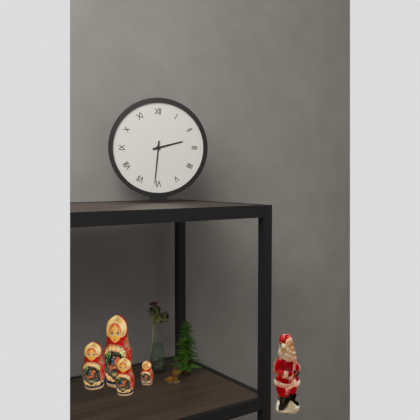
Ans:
2 h 31 min
